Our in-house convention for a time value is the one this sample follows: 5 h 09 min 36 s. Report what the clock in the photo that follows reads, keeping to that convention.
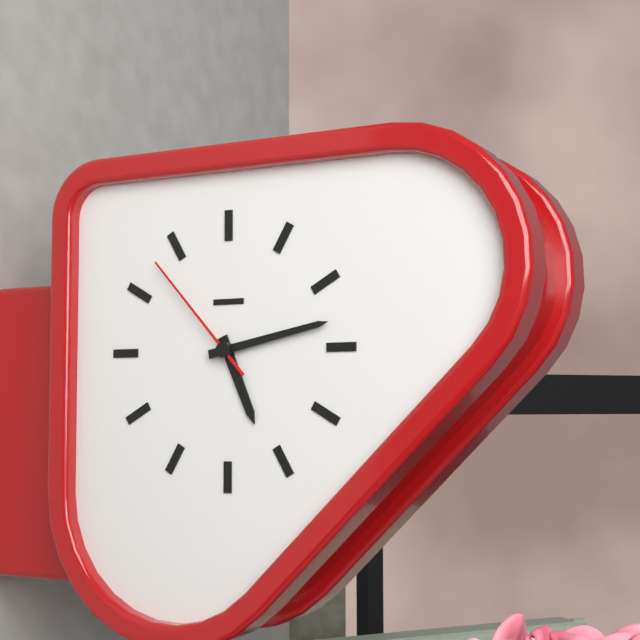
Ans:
5 h 13 min 53 s
